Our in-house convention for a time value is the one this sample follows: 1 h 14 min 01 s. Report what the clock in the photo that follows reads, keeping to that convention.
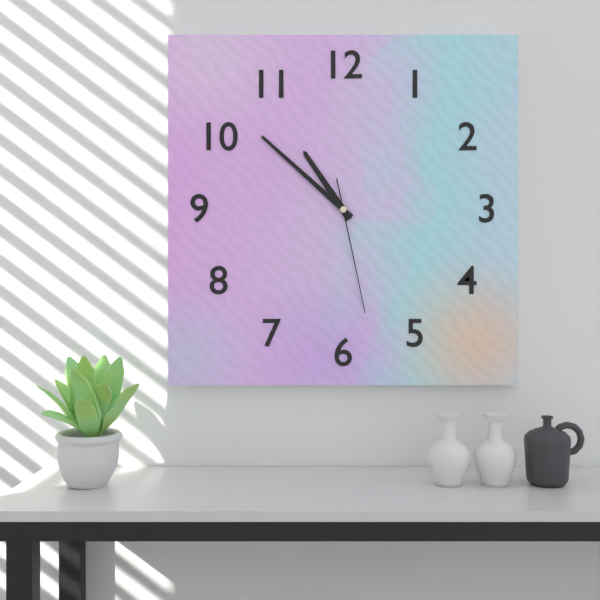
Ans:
10 h 52 min 28 s
